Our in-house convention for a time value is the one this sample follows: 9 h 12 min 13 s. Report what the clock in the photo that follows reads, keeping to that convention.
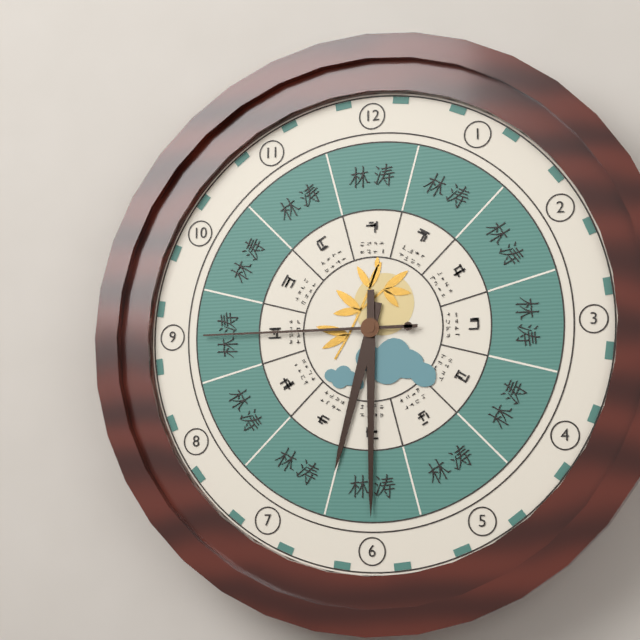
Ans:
6 h 30 min 45 s
